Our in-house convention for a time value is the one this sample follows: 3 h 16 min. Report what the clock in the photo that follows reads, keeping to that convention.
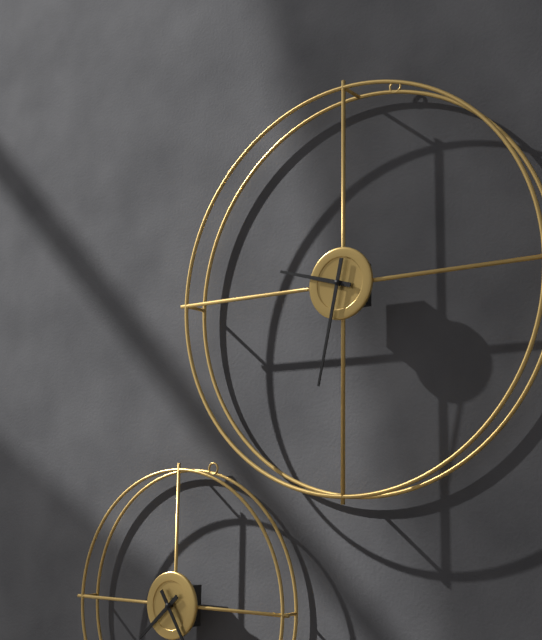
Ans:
9 h 32 min
